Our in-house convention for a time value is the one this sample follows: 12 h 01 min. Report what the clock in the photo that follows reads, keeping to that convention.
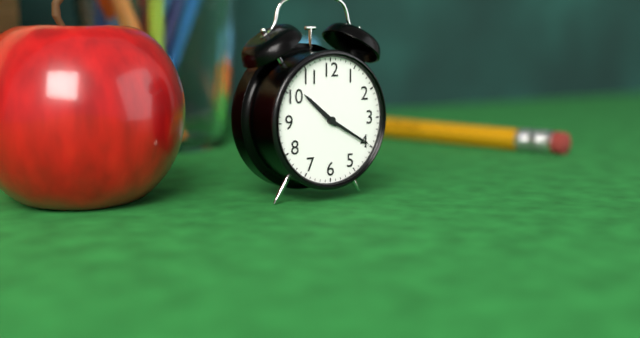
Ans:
10 h 20 min
